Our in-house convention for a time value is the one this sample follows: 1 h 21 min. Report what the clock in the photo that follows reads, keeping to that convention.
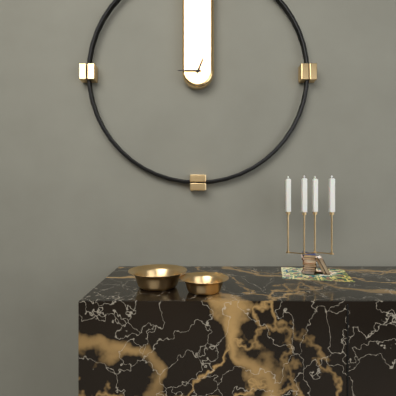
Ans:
12 h 45 min
